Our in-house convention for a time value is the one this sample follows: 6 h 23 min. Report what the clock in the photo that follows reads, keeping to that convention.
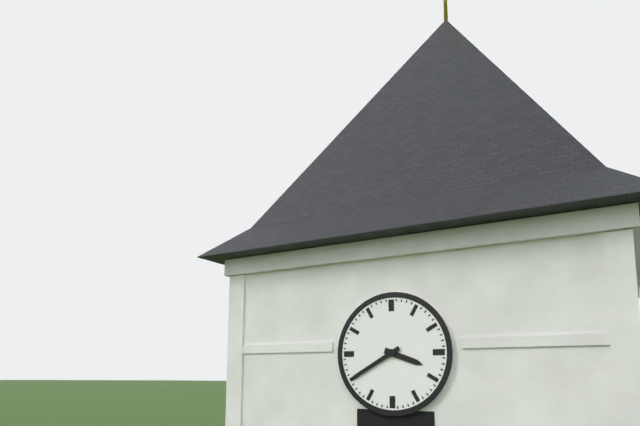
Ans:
3 h 40 min
